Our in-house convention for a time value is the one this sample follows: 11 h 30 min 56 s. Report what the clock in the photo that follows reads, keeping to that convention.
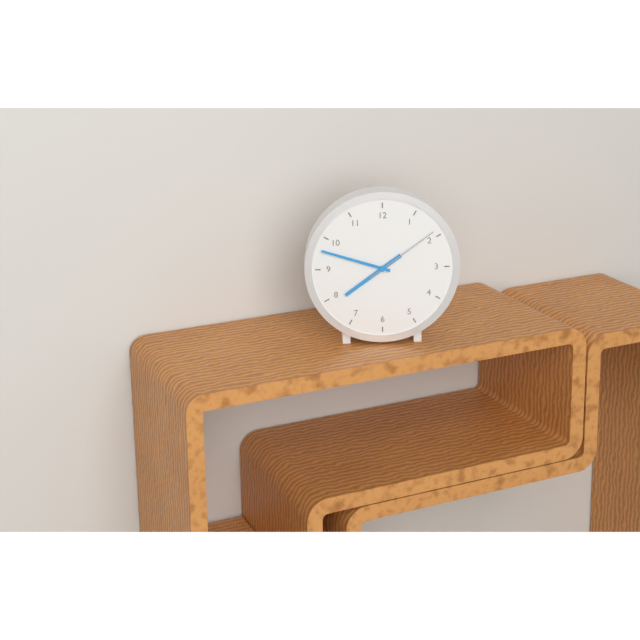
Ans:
7 h 48 min 09 s
